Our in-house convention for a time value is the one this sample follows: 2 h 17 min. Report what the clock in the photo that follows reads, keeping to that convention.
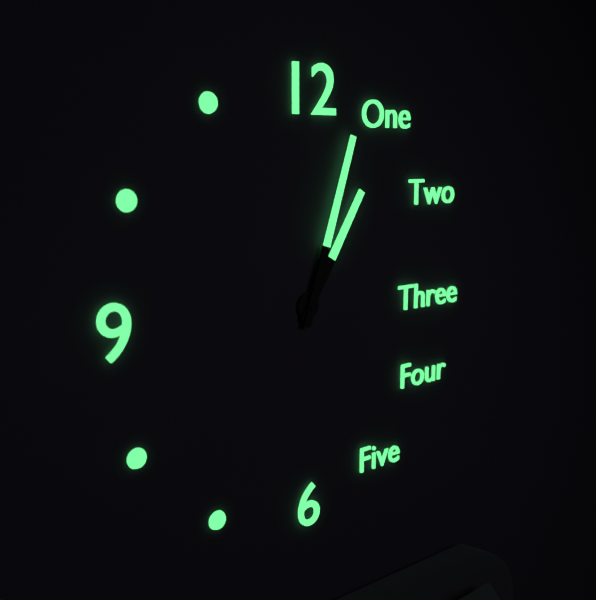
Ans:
1 h 03 min
